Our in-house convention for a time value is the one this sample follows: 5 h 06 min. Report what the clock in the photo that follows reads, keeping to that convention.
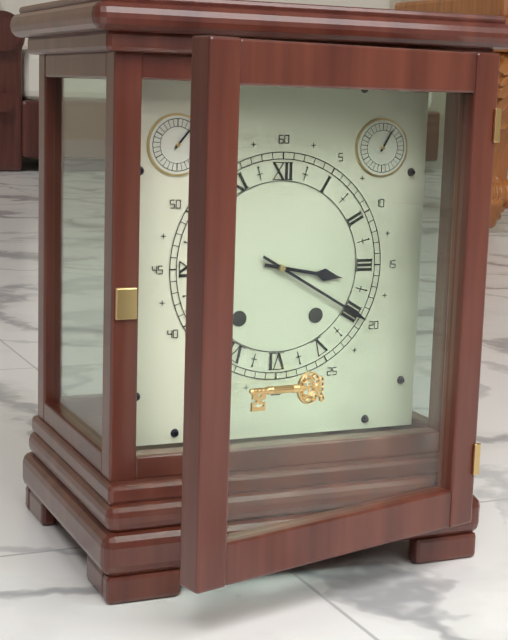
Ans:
3 h 20 min
